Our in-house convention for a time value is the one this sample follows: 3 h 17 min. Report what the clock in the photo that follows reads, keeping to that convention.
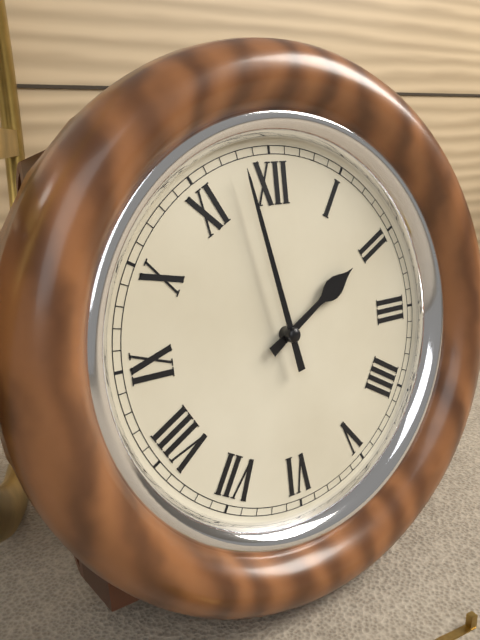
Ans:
1 h 58 min
